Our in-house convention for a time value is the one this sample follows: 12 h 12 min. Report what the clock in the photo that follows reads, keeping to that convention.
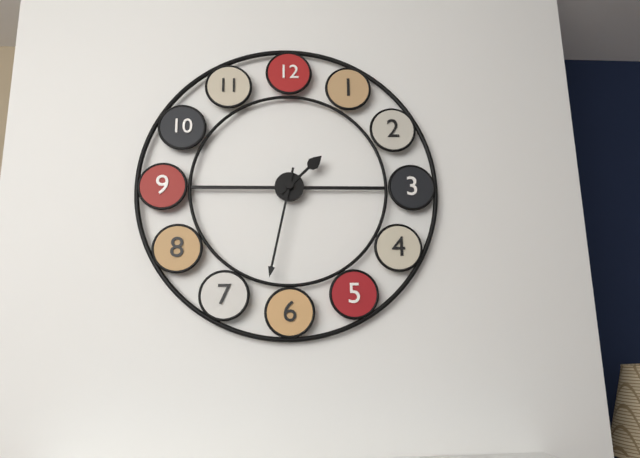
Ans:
1 h 32 min
